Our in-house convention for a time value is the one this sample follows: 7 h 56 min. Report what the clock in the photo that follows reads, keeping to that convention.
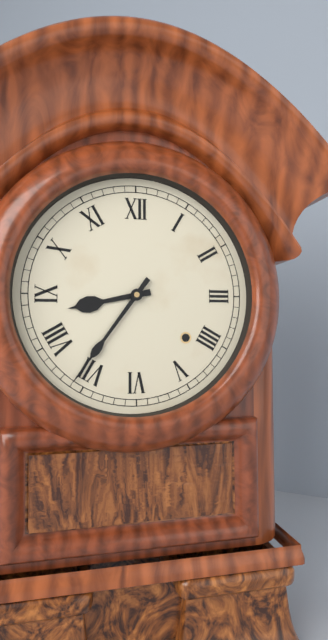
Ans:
8 h 36 min
